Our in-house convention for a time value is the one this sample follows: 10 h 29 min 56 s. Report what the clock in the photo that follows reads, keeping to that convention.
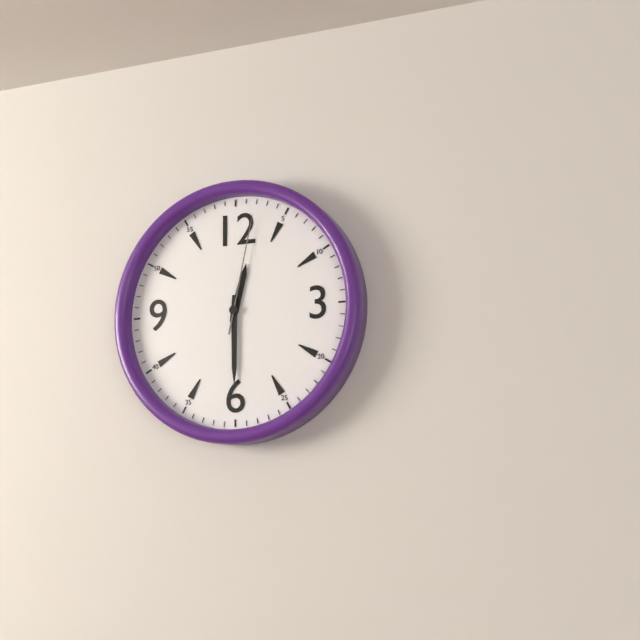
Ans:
12 h 30 min 02 s
